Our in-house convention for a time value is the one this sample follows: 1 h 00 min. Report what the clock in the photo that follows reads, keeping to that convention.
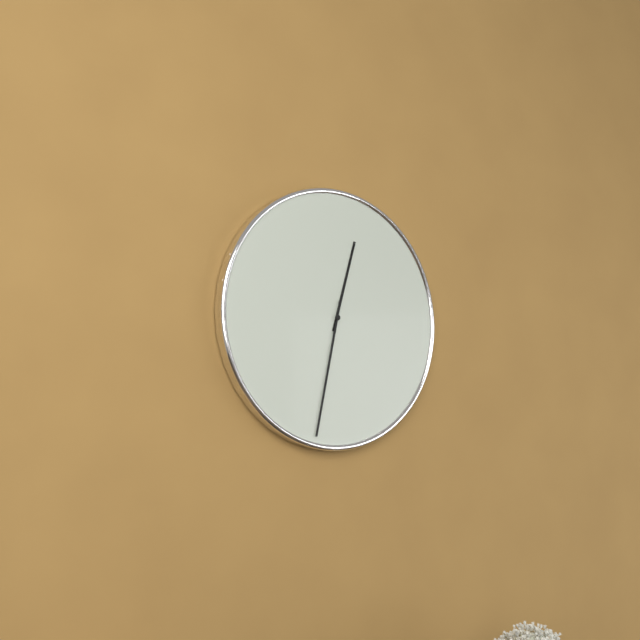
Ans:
12 h 32 min
